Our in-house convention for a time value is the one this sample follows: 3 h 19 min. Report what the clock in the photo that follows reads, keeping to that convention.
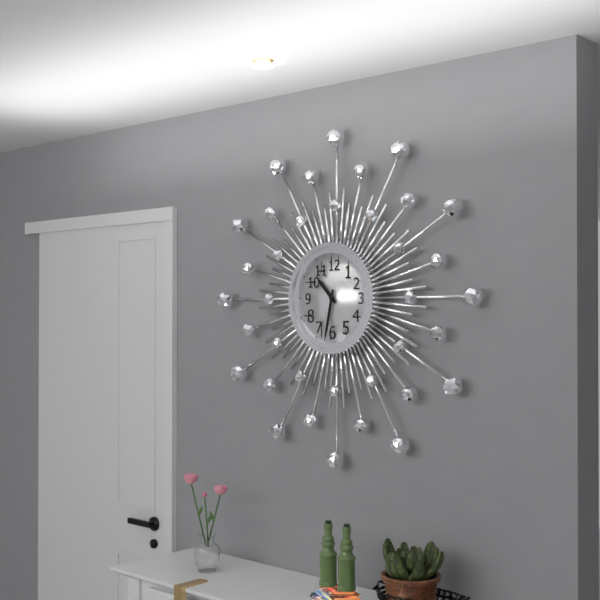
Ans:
10 h 32 min
